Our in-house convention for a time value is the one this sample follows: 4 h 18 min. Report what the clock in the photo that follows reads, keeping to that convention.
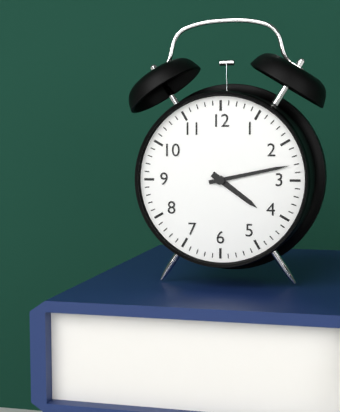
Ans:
4 h 13 min
